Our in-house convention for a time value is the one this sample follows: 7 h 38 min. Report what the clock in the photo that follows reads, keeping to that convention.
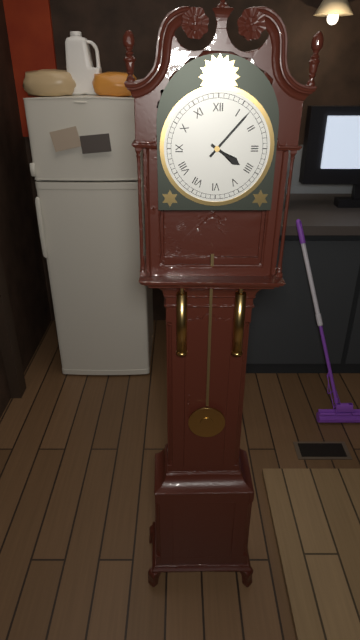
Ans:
4 h 07 min
